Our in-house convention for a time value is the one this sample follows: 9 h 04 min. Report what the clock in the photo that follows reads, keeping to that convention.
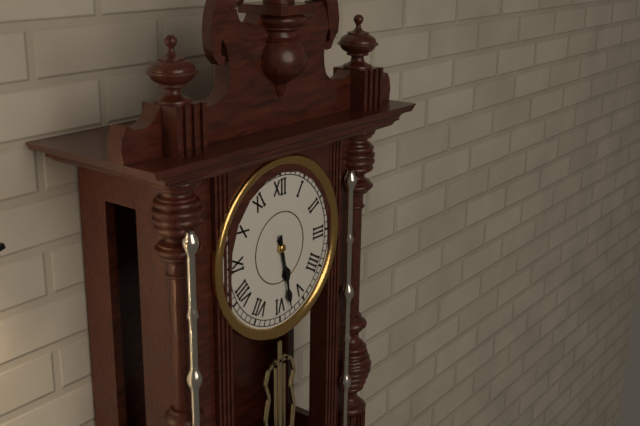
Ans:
5 h 28 min
